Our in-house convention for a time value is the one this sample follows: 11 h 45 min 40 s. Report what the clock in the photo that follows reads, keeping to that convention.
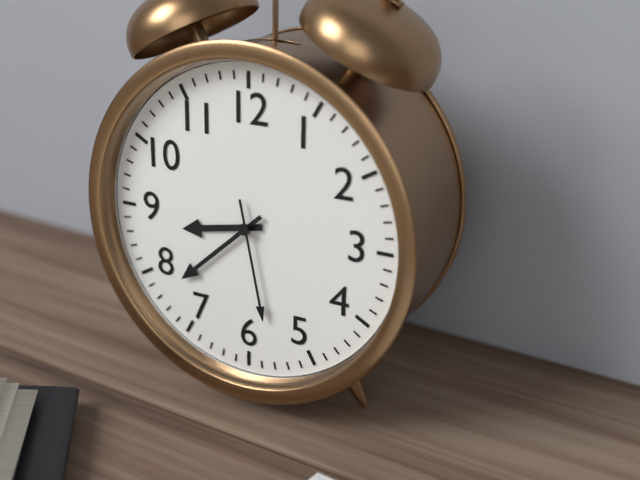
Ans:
8 h 38 min 28 s
